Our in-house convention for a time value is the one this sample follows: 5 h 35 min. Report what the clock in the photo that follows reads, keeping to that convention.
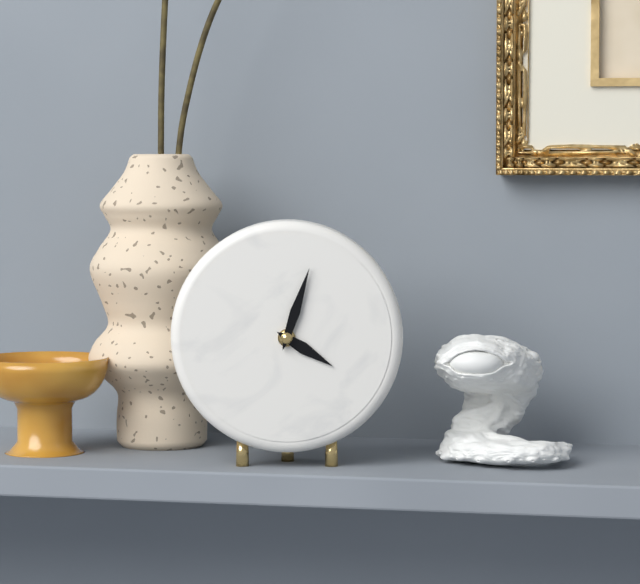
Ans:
4 h 03 min
